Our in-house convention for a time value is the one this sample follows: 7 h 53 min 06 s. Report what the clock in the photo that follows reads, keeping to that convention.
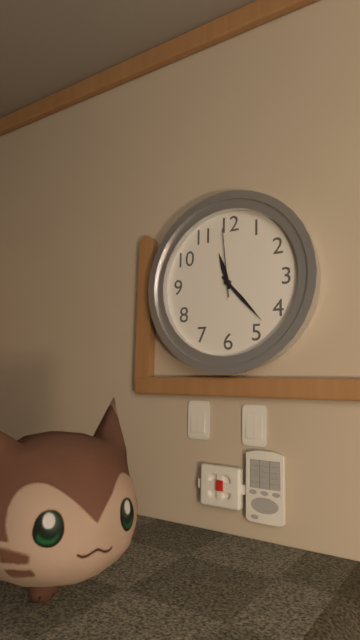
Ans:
11 h 23 min 59 s
